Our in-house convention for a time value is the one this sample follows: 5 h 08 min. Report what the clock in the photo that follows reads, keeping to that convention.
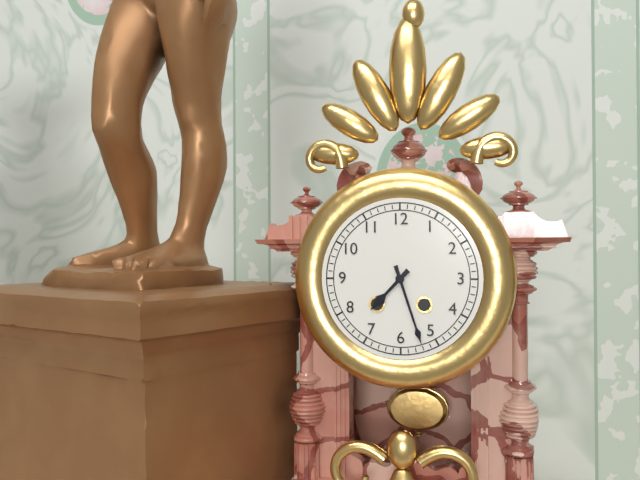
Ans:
7 h 27 min
